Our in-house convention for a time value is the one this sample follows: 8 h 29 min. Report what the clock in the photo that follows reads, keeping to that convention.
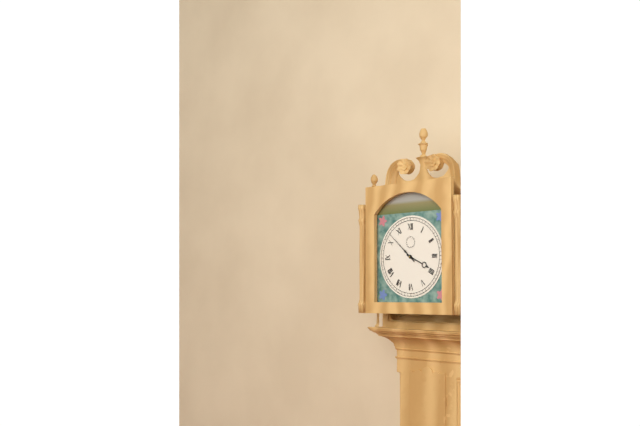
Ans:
3 h 52 min
